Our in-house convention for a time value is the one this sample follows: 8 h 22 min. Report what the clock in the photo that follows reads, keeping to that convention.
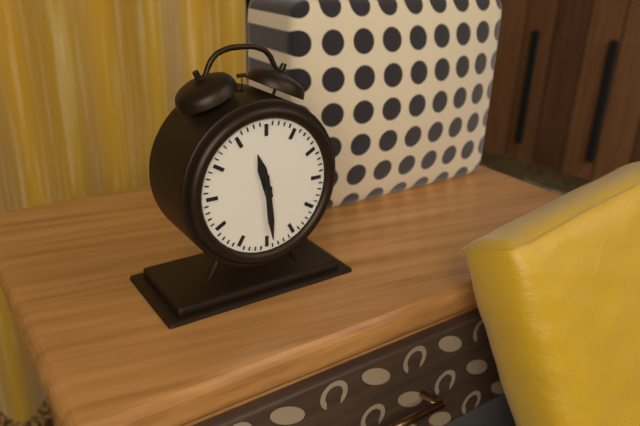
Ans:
11 h 29 min
